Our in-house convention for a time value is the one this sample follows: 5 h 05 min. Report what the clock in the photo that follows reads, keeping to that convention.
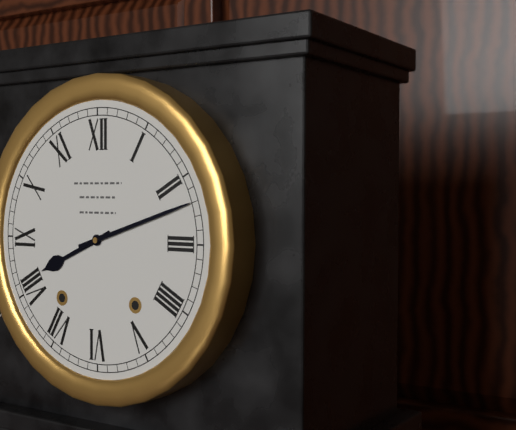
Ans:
8 h 12 min
